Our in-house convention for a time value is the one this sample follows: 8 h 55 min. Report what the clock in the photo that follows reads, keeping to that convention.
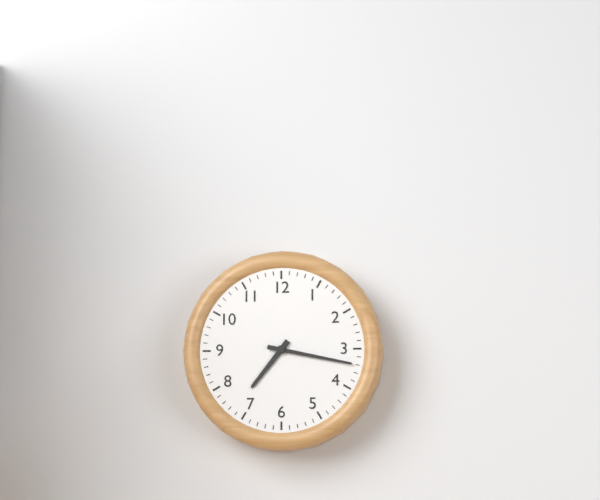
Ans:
7 h 17 min
